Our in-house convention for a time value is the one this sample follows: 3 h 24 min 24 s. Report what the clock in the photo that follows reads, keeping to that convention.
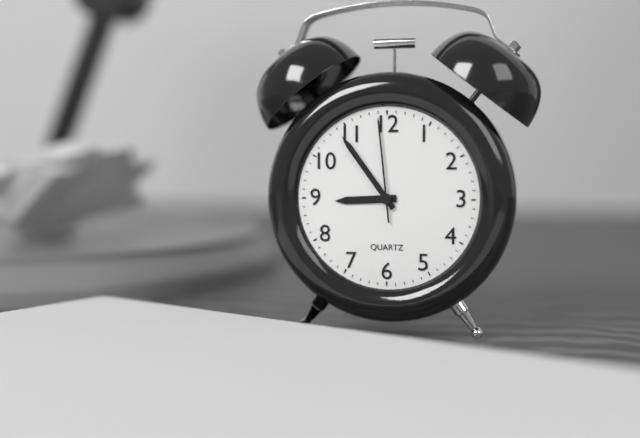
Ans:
8 h 54 min 59 s
